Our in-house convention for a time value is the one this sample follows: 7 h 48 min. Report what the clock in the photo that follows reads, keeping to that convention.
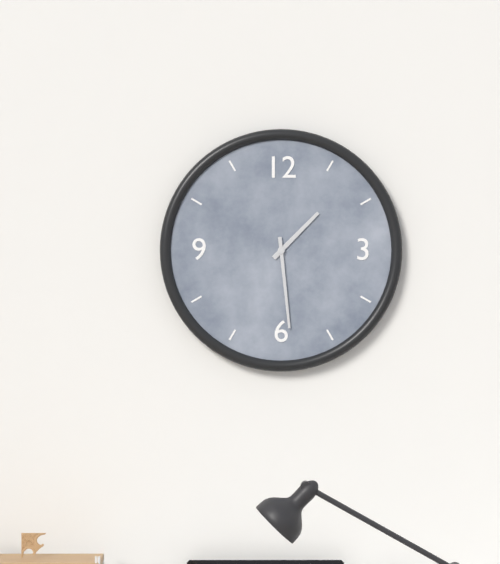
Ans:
1 h 29 min
